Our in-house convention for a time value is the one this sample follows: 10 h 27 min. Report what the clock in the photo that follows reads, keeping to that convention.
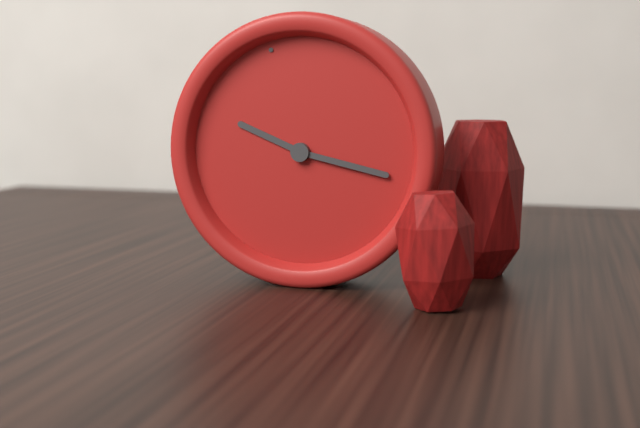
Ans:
10 h 20 min
